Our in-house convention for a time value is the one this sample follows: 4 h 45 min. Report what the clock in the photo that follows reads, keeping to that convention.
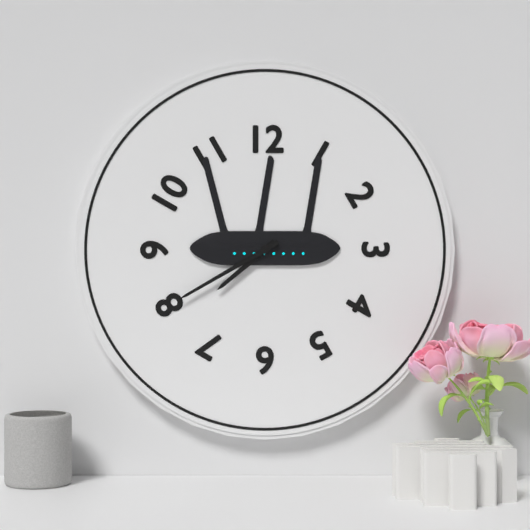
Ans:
7 h 40 min
